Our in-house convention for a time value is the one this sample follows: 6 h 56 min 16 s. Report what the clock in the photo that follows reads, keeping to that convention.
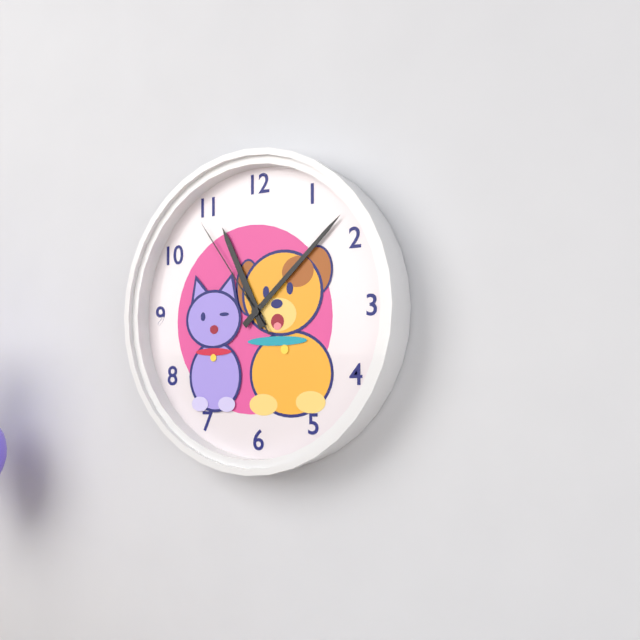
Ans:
11 h 08 min 54 s
